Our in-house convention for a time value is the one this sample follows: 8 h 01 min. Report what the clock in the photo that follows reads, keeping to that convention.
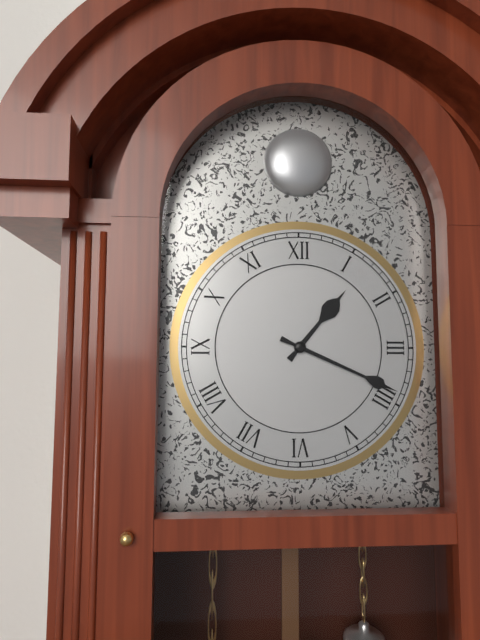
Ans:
1 h 19 min
